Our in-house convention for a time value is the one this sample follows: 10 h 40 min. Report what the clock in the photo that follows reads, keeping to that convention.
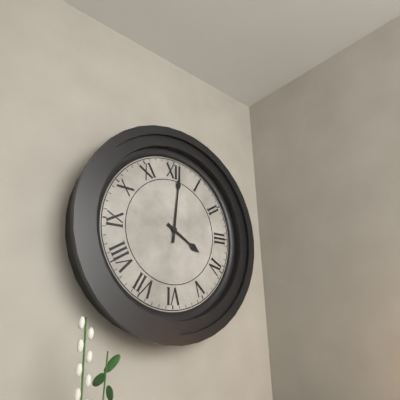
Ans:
4 h 01 min
